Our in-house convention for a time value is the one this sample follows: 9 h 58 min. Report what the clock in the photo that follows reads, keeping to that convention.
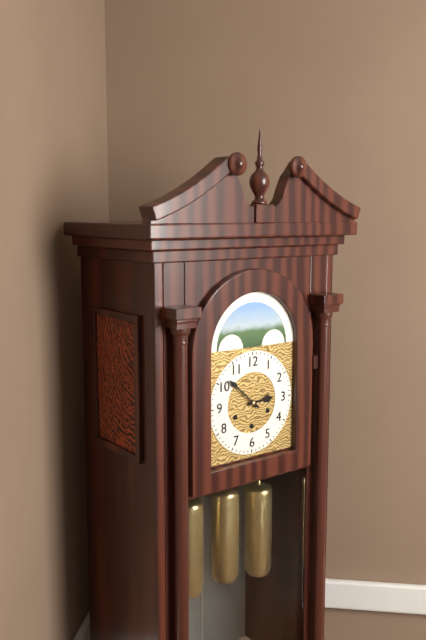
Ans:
2 h 52 min
